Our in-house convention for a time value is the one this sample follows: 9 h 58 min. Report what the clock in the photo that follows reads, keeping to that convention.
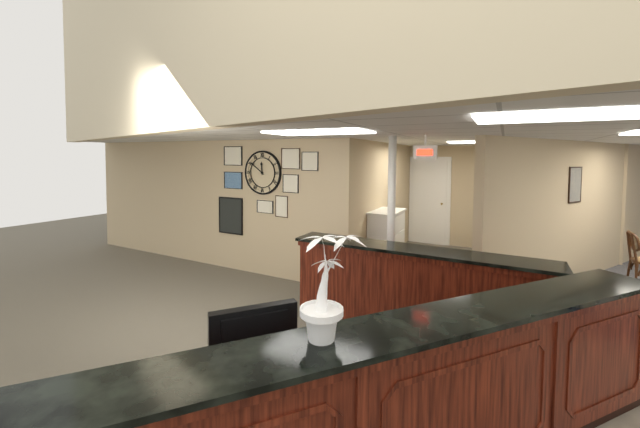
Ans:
11 h 51 min
